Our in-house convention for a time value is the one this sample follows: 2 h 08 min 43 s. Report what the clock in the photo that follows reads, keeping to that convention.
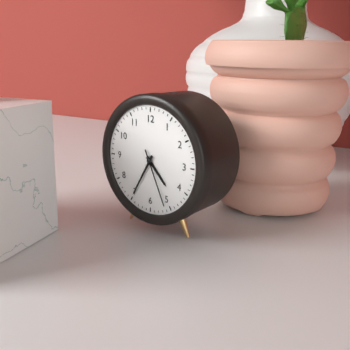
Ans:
4 h 35 min 26 s
